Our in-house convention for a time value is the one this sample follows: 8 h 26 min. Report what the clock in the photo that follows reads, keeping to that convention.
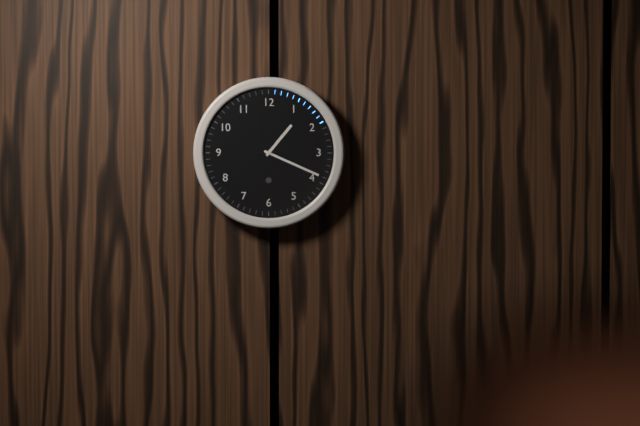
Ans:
1 h 19 min
